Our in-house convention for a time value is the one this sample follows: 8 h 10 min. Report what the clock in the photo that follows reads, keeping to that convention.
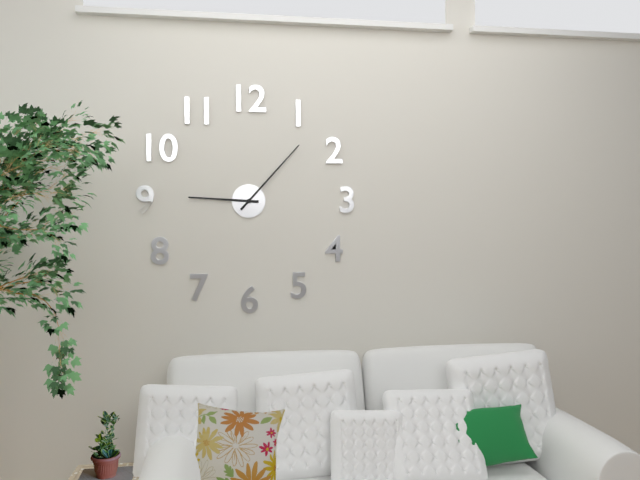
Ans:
9 h 07 min
